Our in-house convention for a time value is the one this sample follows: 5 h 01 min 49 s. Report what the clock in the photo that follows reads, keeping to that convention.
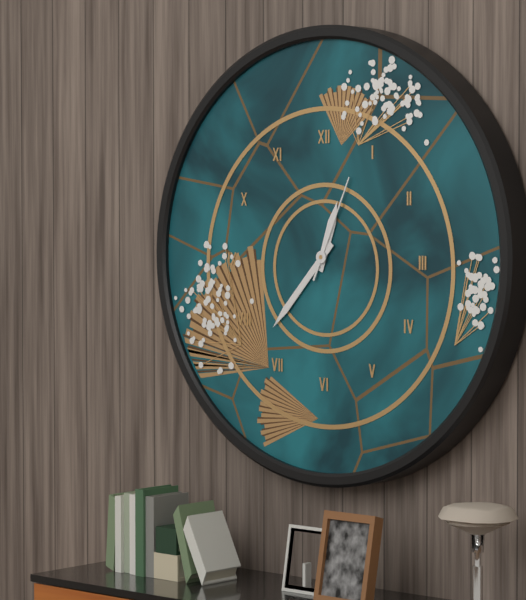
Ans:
12 h 37 min 04 s
